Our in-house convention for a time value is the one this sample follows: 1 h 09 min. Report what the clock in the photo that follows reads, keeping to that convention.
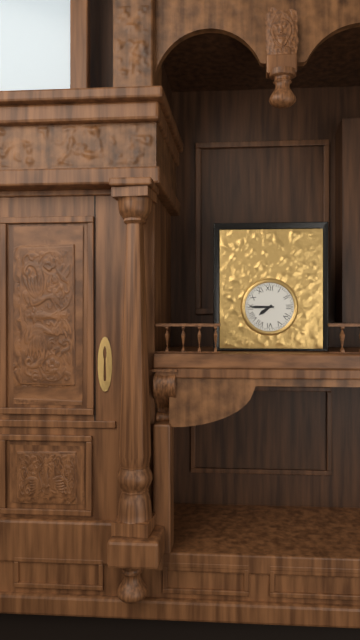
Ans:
7 h 45 min
